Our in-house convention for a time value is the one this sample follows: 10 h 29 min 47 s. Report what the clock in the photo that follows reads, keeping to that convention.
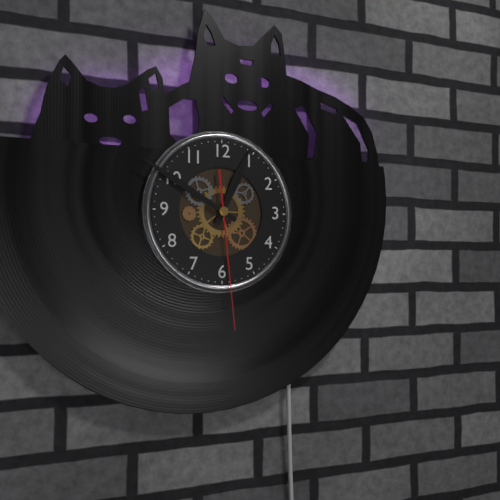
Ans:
12 h 50 min 29 s
